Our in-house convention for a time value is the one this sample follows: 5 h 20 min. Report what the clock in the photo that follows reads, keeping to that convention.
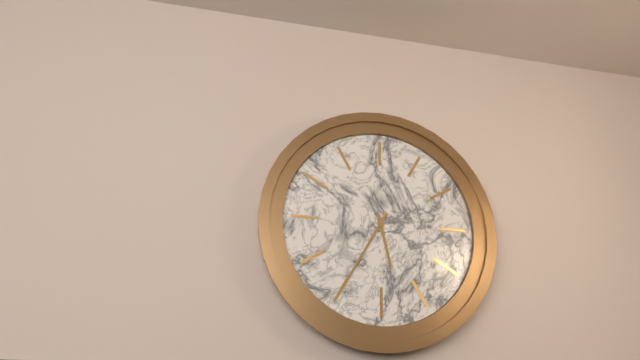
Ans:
5 h 35 min
